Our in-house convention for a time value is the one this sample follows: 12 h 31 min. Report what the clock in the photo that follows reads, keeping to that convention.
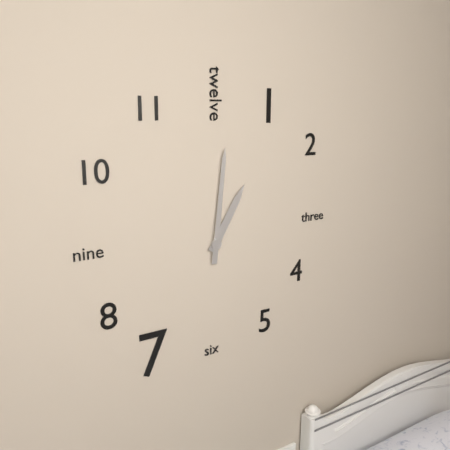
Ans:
1 h 01 min
